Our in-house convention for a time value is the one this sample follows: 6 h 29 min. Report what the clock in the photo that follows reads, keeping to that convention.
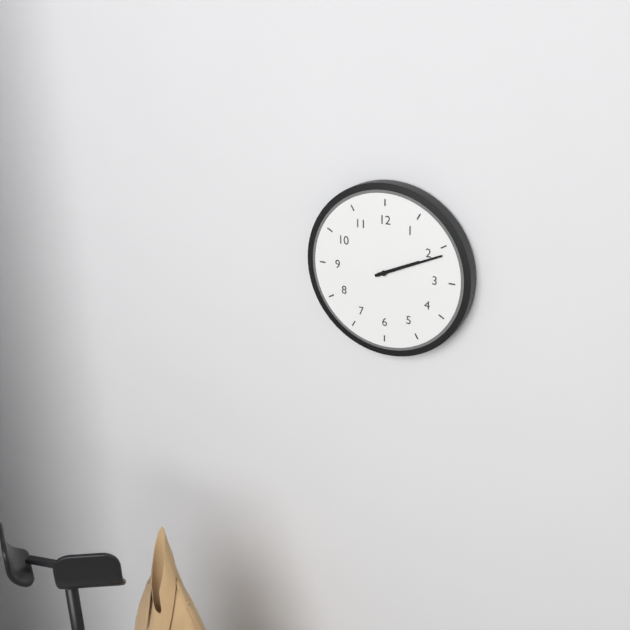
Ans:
2 h 11 min
